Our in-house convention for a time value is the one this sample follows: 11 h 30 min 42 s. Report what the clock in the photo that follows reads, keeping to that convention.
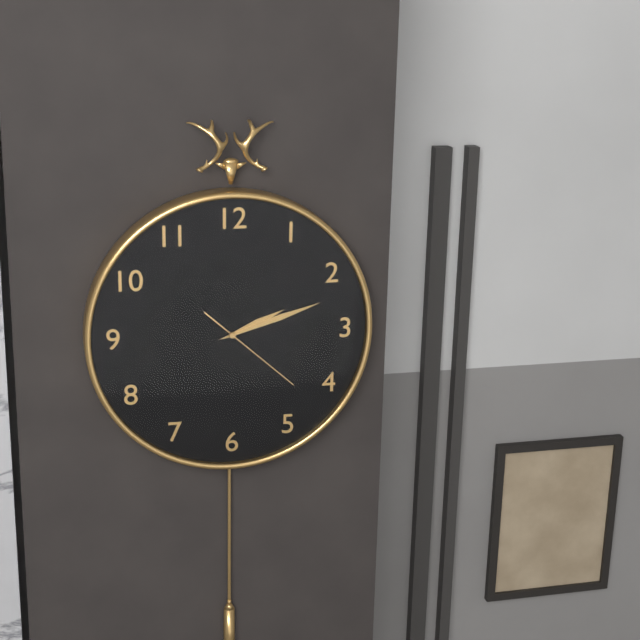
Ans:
2 h 12 min 22 s
